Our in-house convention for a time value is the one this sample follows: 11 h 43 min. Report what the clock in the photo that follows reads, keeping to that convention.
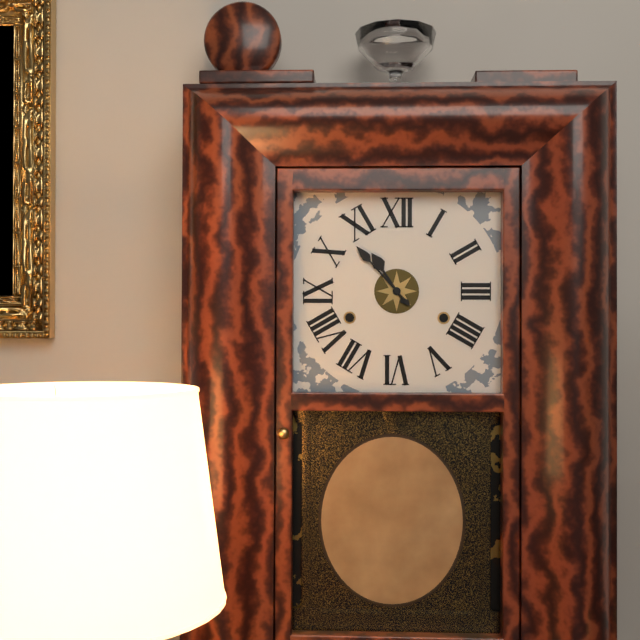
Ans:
10 h 53 min
